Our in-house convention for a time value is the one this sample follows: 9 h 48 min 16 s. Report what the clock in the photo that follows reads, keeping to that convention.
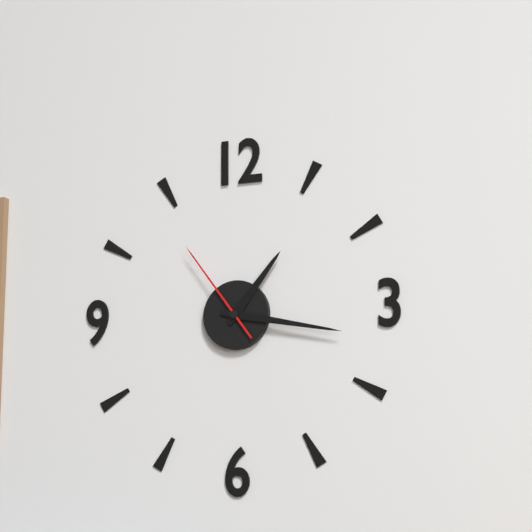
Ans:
1 h 17 min 54 s
